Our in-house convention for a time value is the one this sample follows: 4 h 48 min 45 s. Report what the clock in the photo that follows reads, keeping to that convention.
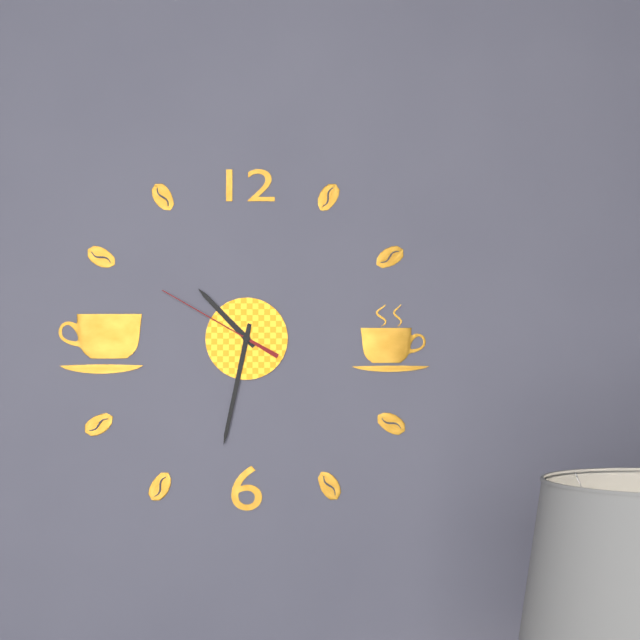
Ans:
10 h 32 min 50 s
